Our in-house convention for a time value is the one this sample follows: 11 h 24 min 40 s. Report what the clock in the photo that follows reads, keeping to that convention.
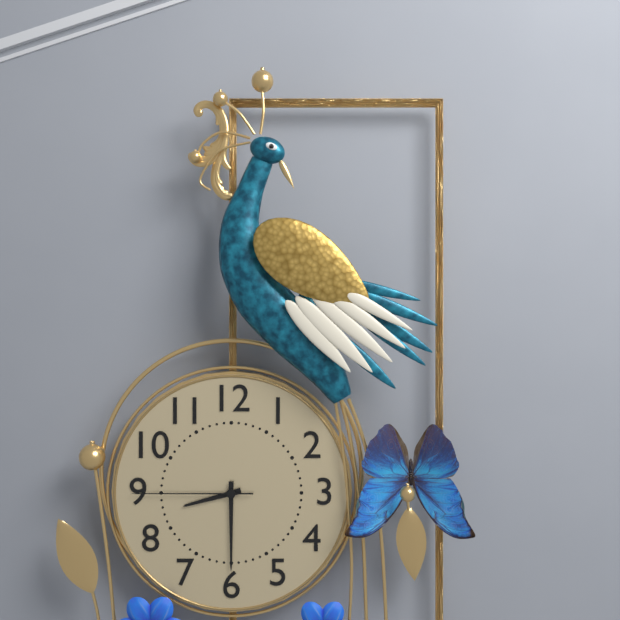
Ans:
8 h 30 min 45 s
